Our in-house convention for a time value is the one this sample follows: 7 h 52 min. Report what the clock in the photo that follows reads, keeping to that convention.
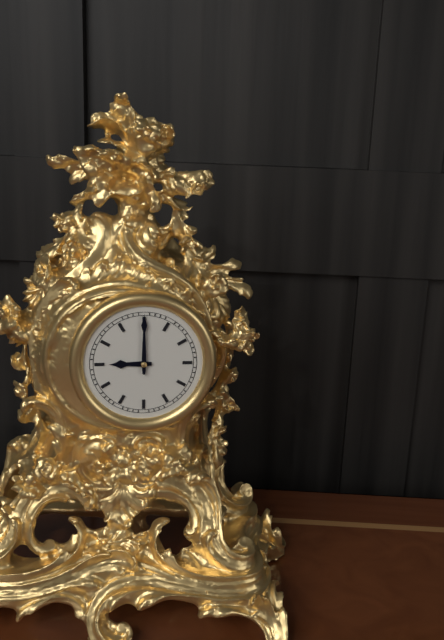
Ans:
9 h 00 min
